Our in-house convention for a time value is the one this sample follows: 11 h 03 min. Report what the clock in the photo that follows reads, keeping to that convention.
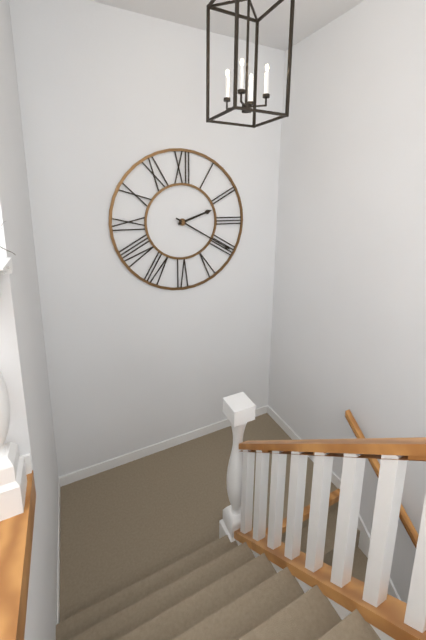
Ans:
2 h 20 min
